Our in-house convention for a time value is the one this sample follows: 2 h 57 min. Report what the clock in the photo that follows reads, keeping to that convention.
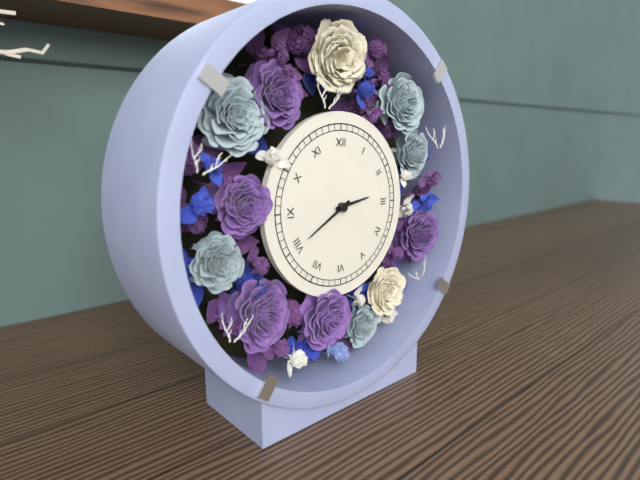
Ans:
2 h 40 min
